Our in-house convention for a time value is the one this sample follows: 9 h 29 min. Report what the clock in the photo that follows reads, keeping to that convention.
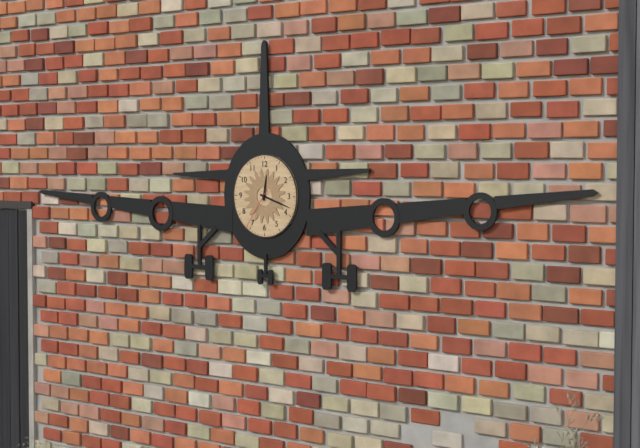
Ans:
12 h 18 min
